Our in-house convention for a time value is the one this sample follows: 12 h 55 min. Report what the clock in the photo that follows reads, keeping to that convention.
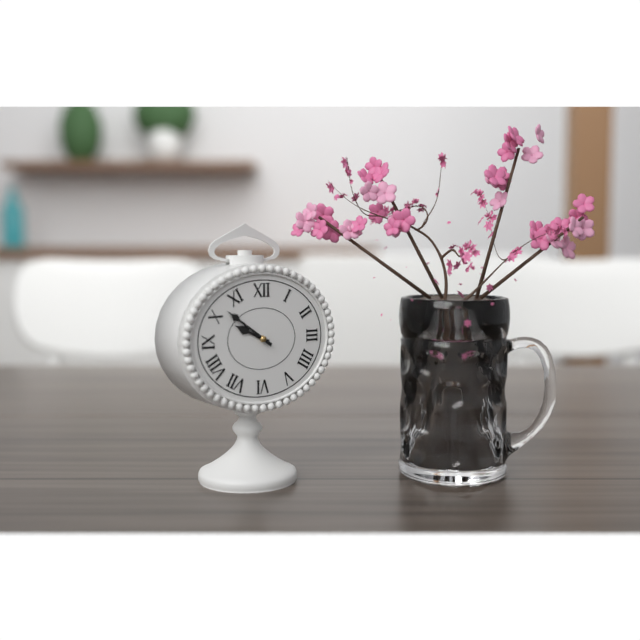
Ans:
9 h 51 min
